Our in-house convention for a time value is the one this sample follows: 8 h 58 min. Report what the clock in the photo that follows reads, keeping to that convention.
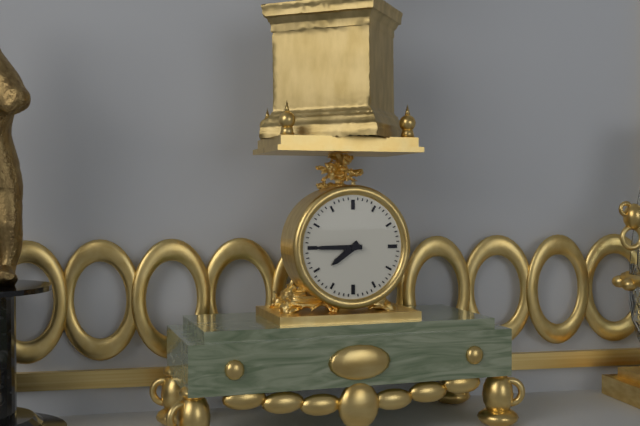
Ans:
7 h 45 min
